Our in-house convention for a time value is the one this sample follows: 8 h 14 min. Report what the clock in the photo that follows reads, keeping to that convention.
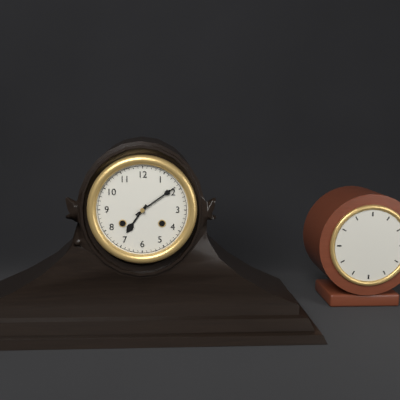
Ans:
7 h 09 min
